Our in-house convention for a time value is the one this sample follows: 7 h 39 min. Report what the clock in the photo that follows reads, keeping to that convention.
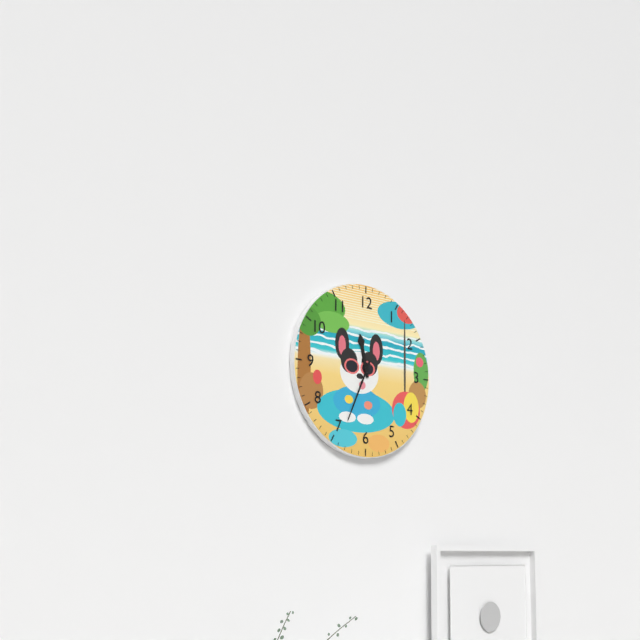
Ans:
11 h 34 min
